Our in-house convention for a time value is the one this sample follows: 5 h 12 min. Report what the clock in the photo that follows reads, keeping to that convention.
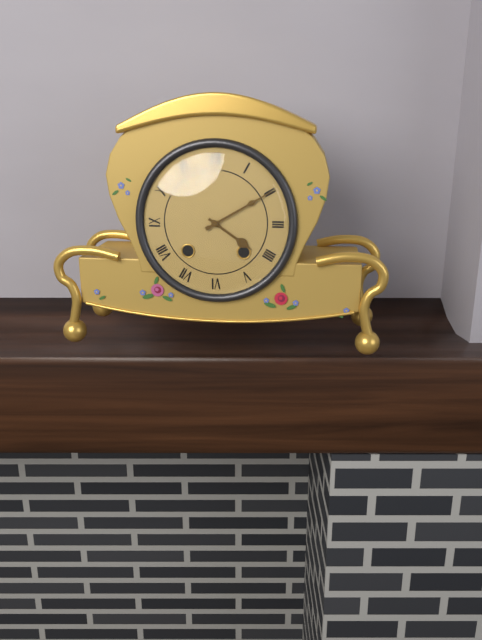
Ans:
4 h 10 min
